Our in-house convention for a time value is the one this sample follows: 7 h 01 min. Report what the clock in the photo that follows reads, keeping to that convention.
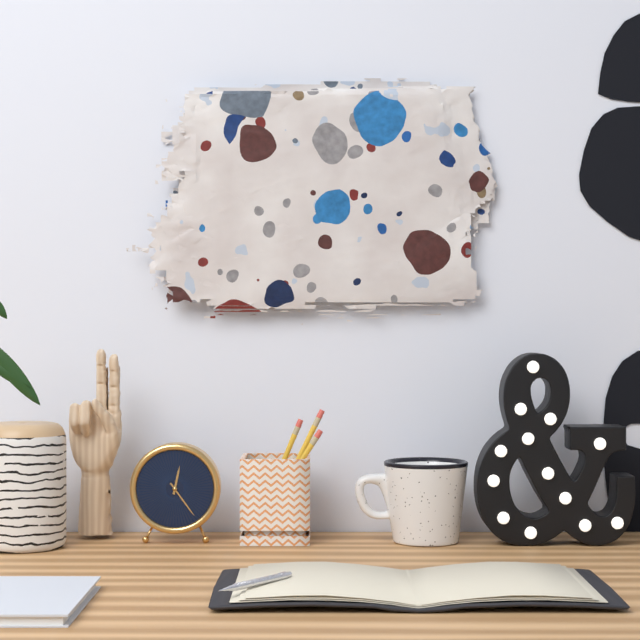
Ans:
12 h 24 min
